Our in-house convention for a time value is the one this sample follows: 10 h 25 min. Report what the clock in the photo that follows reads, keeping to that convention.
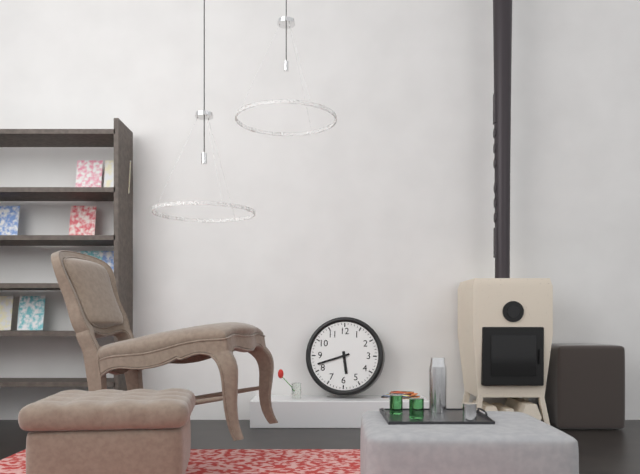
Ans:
5 h 42 min
